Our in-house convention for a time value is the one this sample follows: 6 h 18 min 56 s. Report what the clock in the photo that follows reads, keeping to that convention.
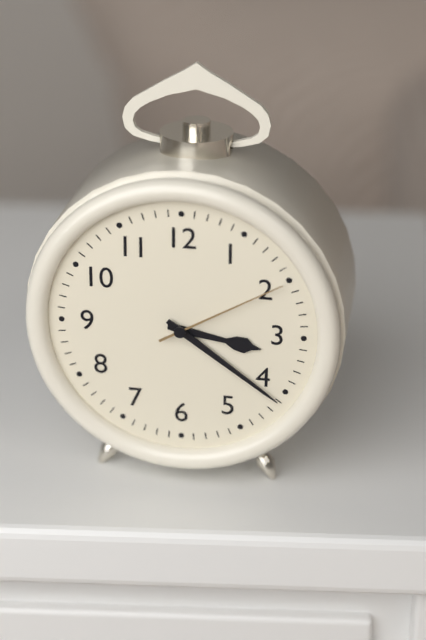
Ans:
3 h 21 min 10 s
